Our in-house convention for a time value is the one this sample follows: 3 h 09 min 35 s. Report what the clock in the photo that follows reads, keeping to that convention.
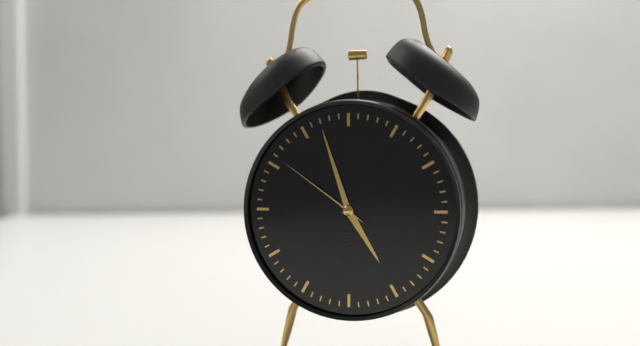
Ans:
4 h 57 min 51 s
